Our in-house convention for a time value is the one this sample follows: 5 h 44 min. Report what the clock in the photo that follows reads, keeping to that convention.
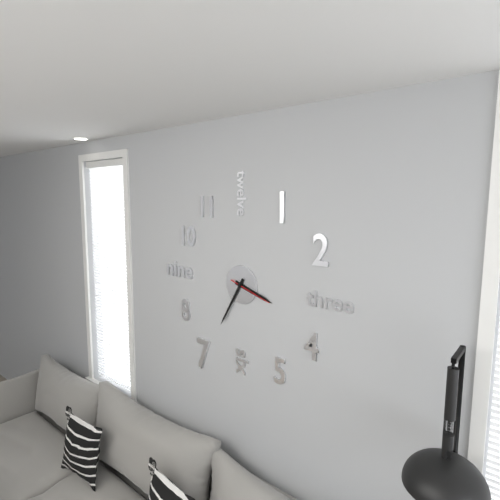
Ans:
3 h 35 min
